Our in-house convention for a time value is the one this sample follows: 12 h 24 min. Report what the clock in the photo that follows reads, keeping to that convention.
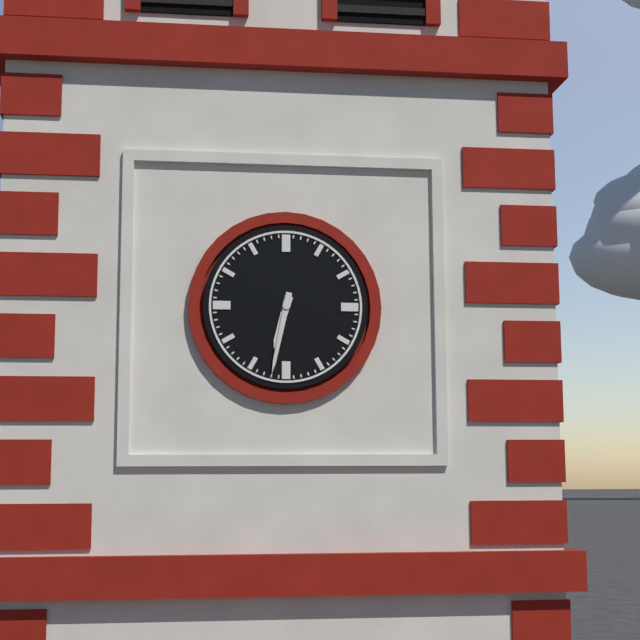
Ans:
6 h 32 min
